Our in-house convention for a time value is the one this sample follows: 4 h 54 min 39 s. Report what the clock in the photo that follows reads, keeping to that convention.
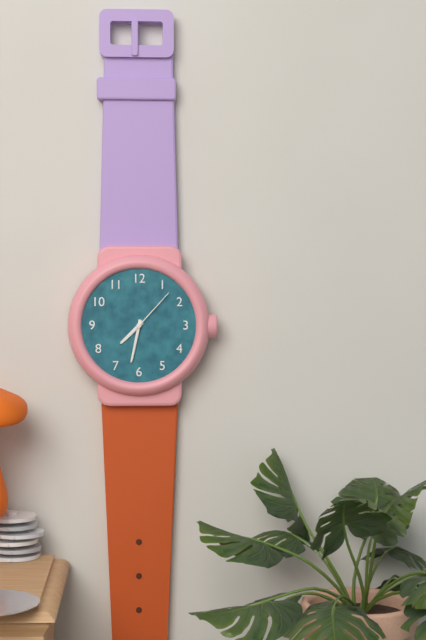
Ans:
7 h 32 min 07 s
